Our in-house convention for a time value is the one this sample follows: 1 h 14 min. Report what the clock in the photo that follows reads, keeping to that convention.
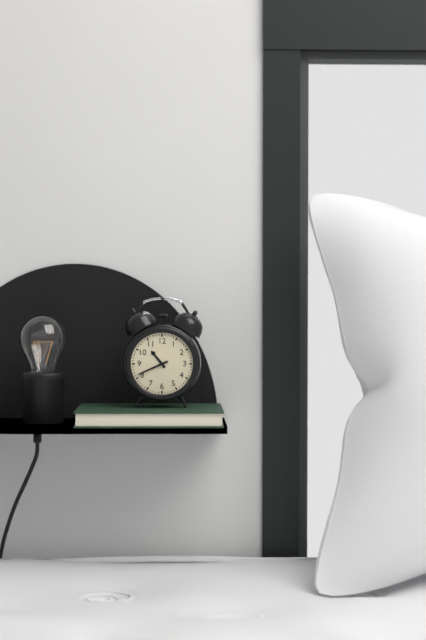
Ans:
10 h 41 min
